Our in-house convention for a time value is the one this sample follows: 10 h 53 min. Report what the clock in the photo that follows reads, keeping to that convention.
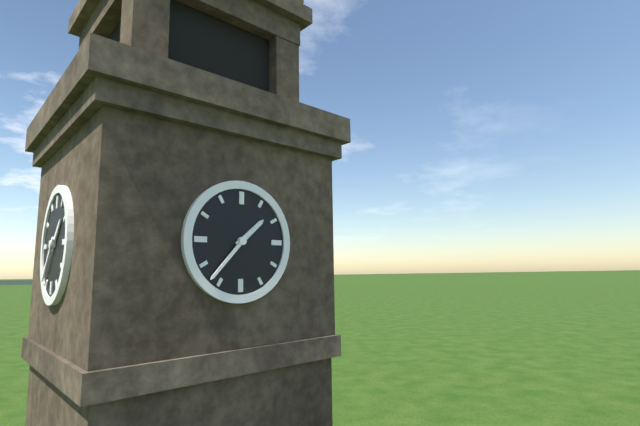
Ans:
1 h 37 min
